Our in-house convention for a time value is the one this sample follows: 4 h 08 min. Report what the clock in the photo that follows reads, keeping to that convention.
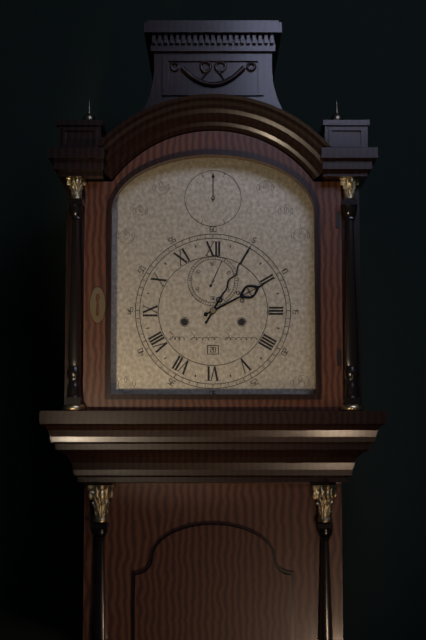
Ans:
2 h 05 min
